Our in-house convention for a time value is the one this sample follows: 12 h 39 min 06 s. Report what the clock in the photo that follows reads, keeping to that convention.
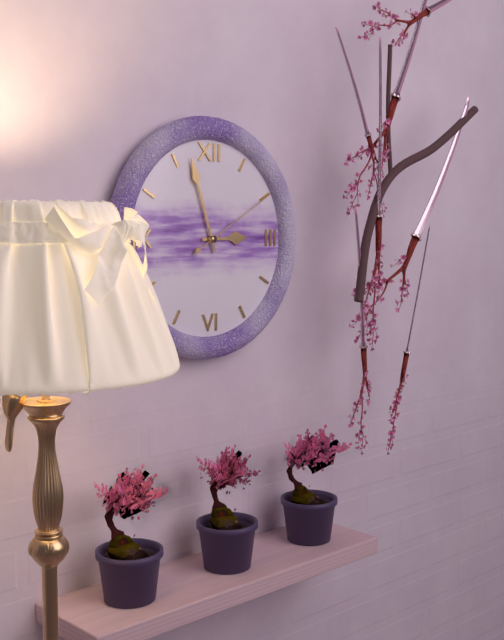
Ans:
2 h 57 min 10 s
